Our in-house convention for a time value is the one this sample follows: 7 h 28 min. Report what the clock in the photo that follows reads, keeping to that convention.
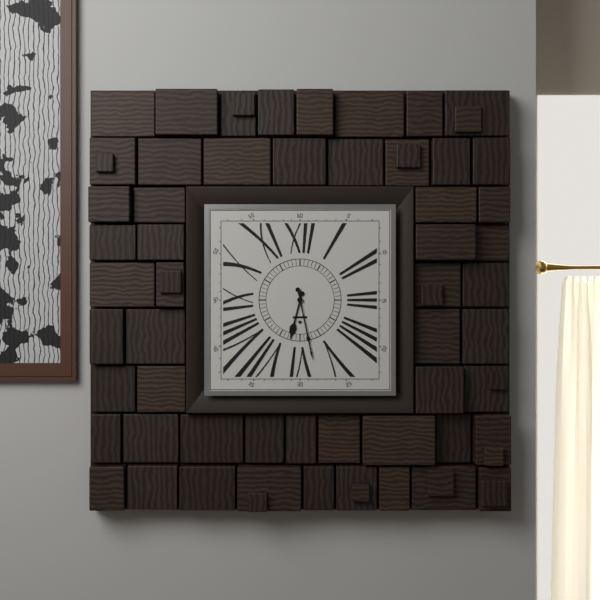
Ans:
6 h 28 min
